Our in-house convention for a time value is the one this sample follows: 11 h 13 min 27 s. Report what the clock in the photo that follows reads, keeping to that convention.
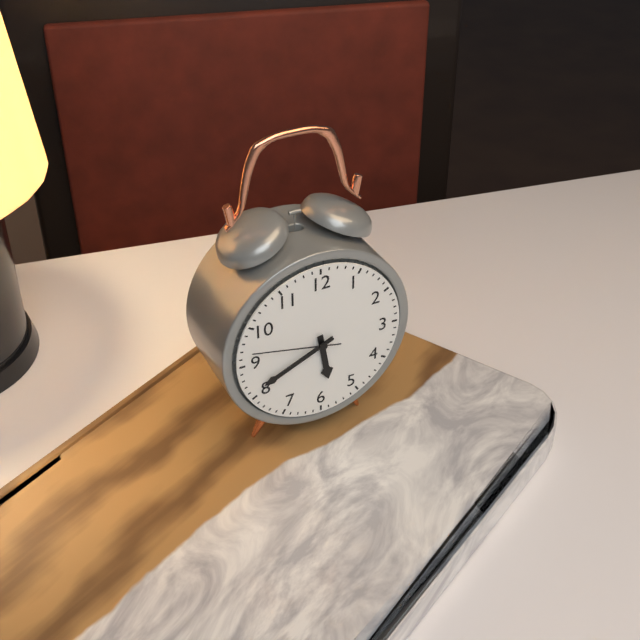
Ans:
5 h 41 min 47 s
